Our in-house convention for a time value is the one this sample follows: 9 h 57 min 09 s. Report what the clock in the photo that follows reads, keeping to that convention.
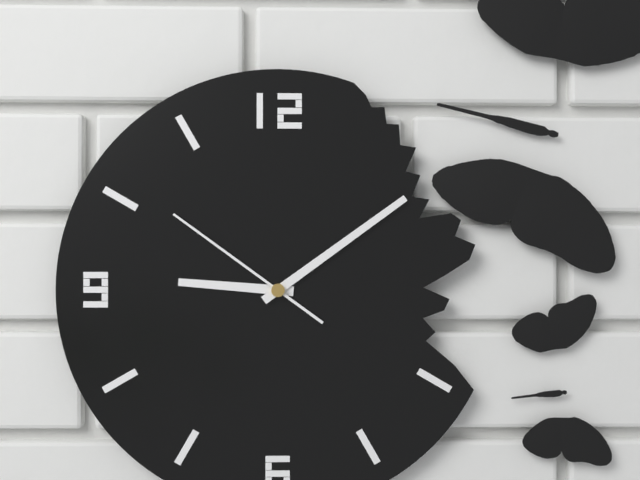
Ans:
9 h 09 min 51 s
